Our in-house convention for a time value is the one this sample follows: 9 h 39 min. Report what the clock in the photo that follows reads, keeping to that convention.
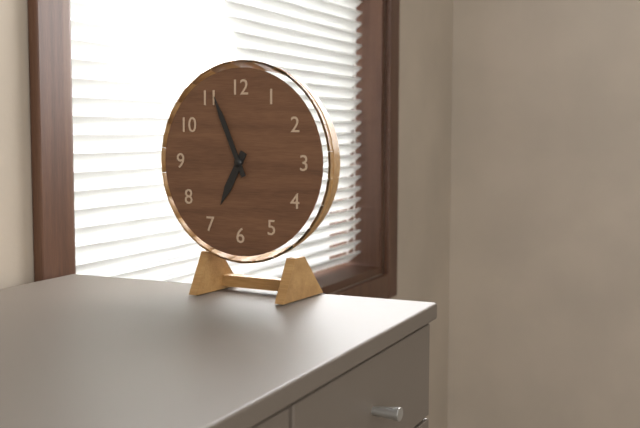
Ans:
6 h 56 min
